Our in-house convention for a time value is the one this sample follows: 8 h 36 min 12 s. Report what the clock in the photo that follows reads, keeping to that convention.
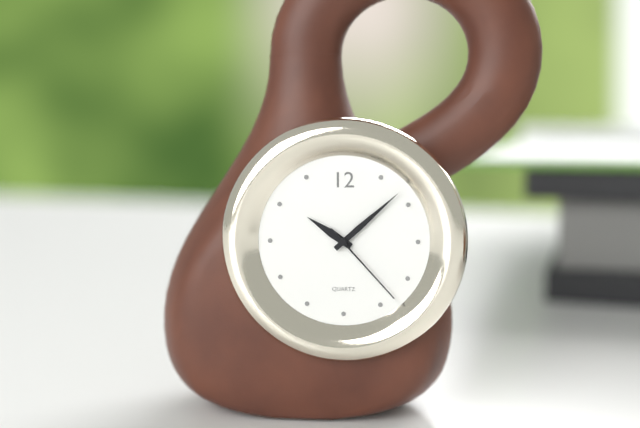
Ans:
10 h 08 min 23 s
